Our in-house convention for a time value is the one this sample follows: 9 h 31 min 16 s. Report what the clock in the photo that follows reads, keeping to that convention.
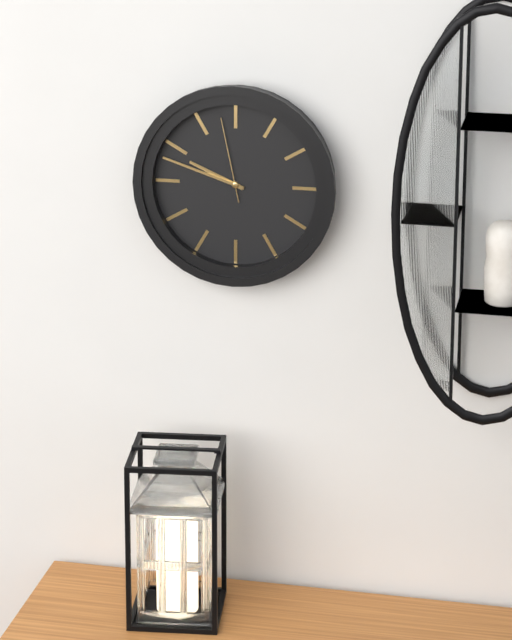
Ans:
9 h 48 min 58 s
